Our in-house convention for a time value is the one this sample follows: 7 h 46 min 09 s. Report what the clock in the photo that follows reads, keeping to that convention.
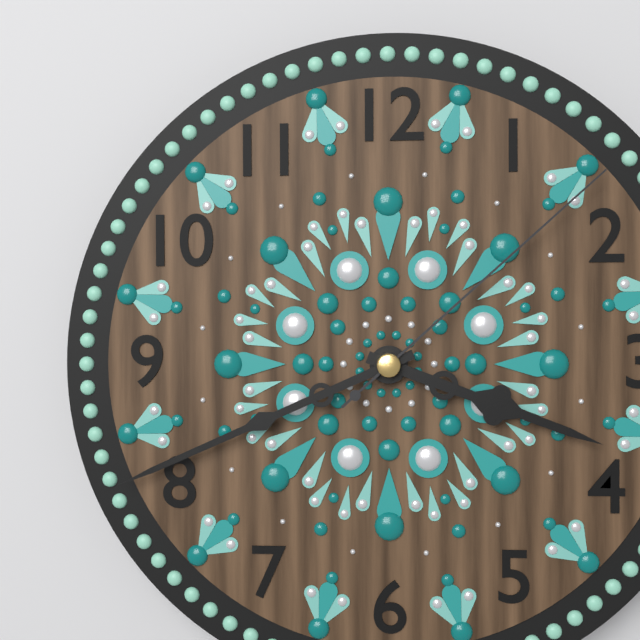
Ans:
3 h 41 min 08 s
